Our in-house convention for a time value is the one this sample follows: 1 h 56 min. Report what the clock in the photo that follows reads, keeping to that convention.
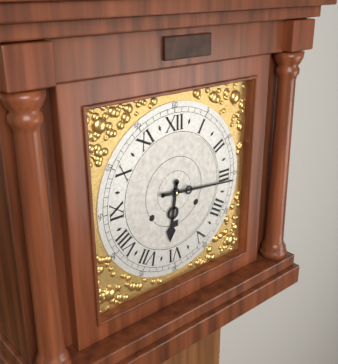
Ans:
6 h 16 min
